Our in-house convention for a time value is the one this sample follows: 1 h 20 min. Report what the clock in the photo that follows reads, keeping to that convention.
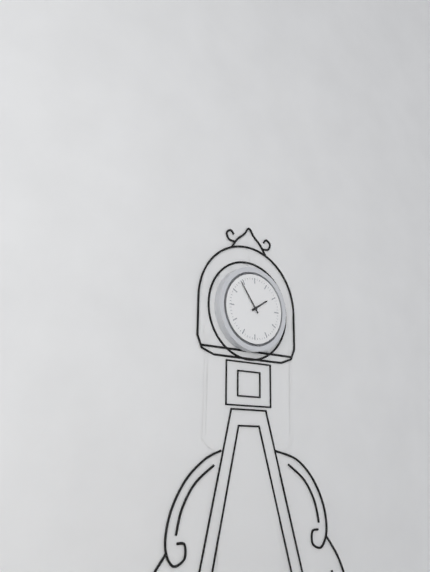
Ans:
1 h 54 min
